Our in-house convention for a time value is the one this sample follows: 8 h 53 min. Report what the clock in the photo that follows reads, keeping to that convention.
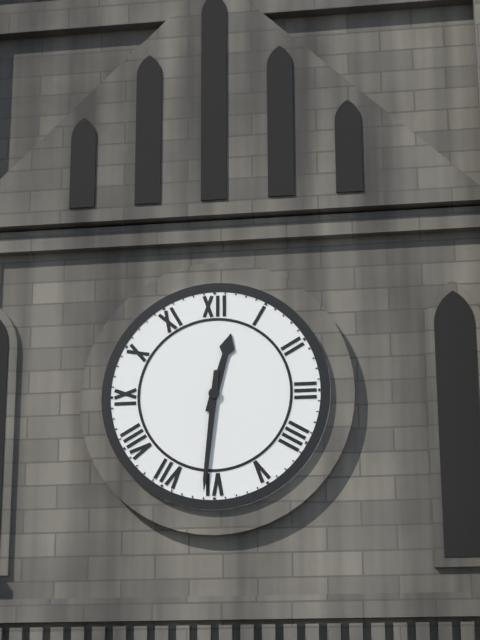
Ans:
12 h 31 min
